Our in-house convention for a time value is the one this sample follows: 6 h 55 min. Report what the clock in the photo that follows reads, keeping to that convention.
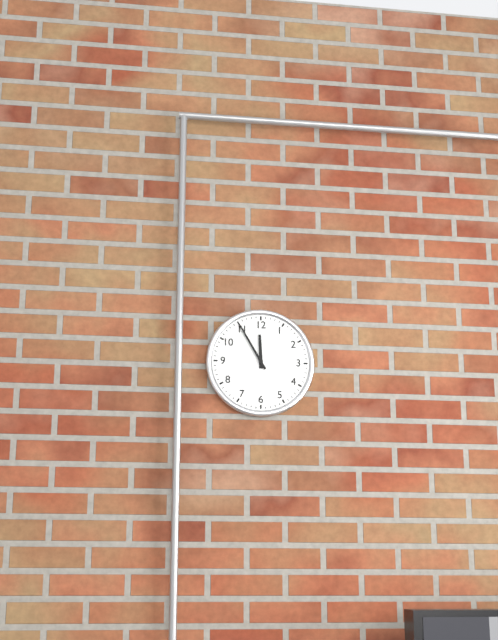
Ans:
11 h 55 min
